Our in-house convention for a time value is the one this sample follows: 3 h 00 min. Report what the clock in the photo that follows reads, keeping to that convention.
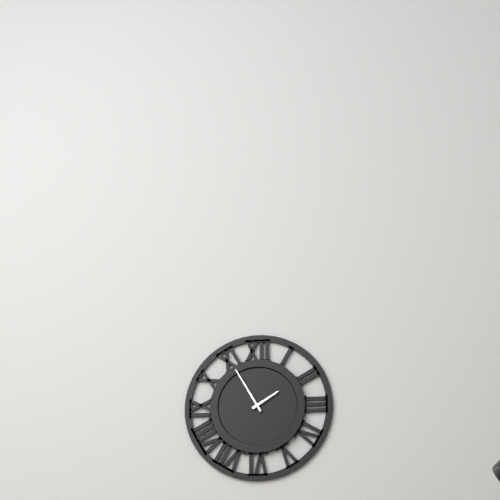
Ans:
1 h 55 min
